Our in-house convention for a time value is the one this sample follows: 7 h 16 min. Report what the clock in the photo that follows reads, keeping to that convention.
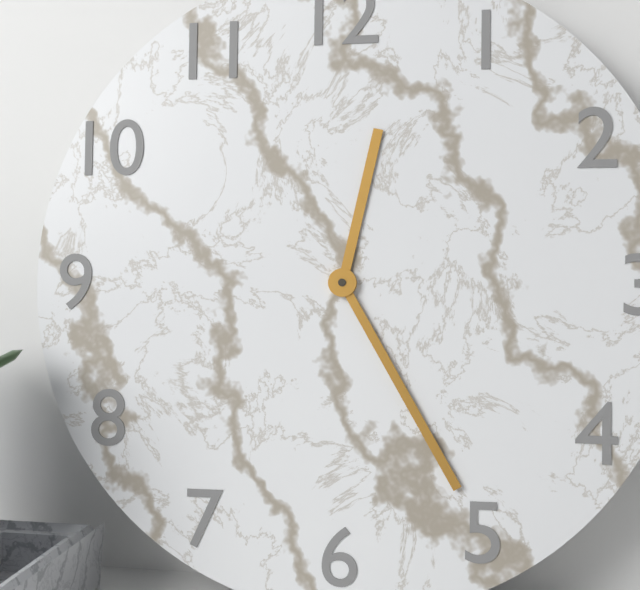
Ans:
12 h 25 min
